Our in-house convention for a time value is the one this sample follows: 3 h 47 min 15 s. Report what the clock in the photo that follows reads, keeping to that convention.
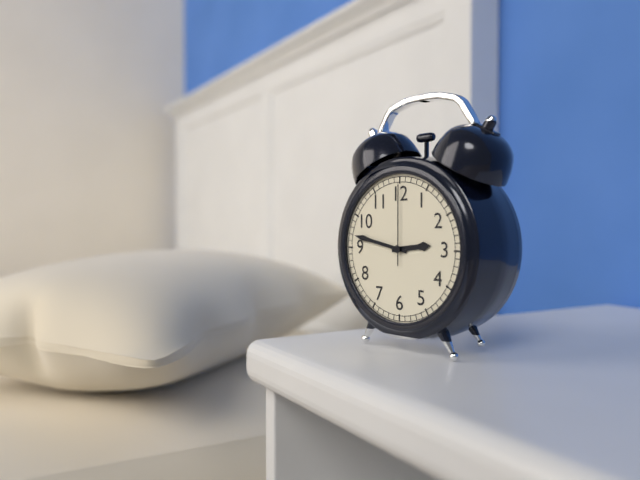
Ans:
2 h 47 min 00 s
